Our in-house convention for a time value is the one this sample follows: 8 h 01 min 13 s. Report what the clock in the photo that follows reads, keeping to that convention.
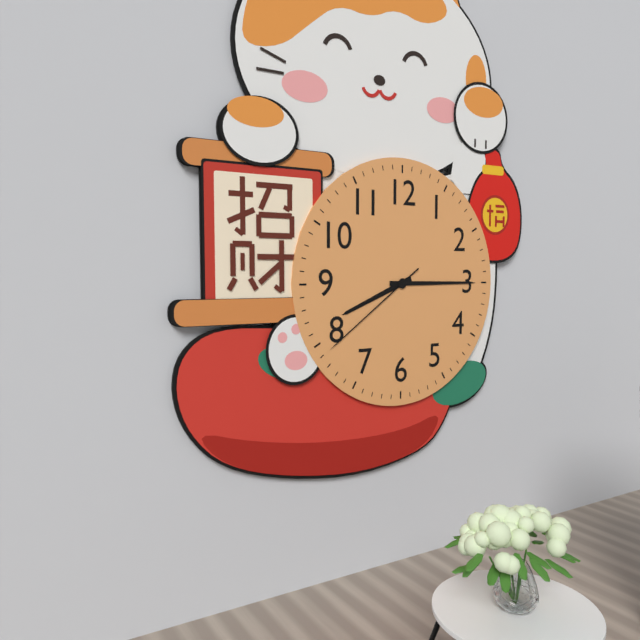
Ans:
8 h 15 min 39 s
